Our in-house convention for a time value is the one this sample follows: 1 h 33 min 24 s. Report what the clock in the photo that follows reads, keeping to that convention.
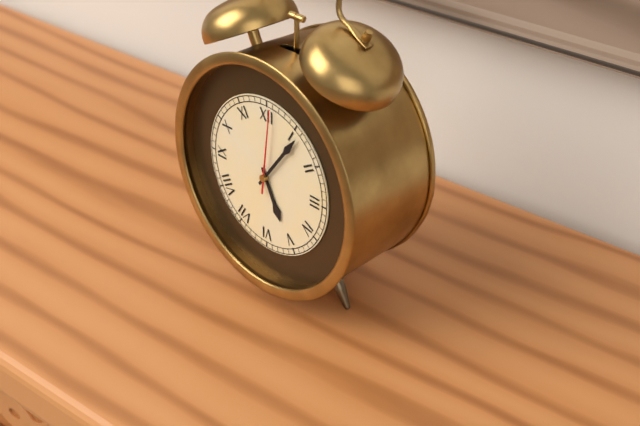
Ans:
5 h 06 min 01 s
